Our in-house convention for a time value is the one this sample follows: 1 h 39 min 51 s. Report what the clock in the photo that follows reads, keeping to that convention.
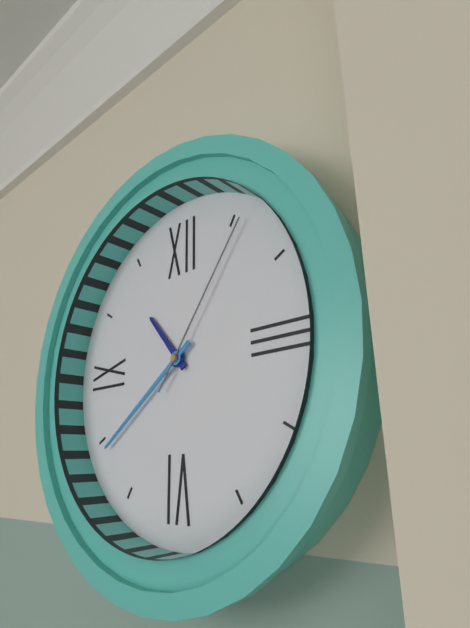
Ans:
10 h 39 min 06 s
